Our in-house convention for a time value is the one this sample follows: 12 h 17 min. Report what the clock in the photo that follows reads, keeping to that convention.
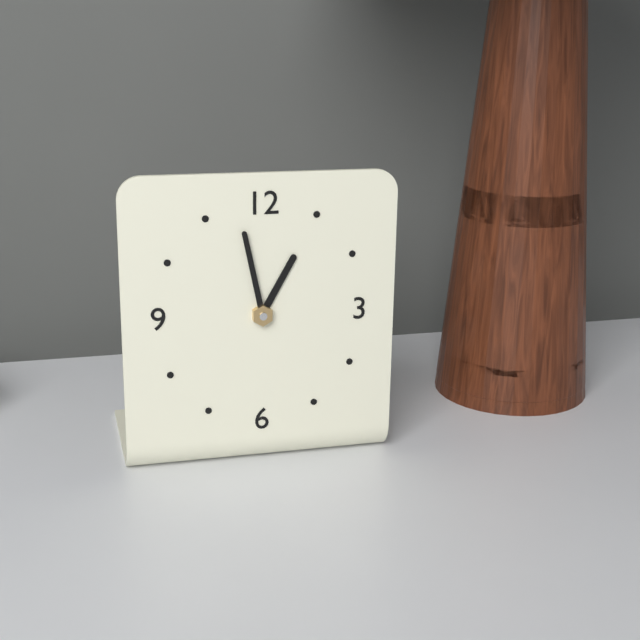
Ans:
12 h 58 min
